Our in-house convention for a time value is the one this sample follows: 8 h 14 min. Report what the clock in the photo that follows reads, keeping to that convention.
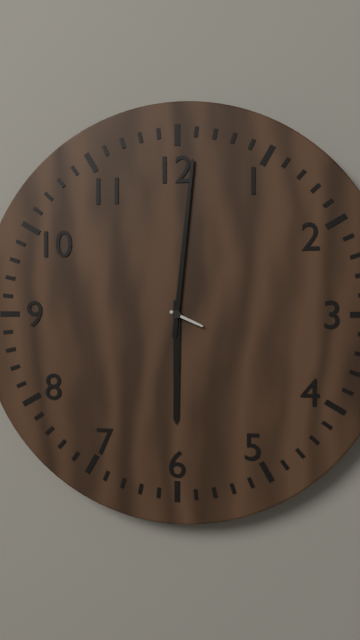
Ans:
6 h 01 min
